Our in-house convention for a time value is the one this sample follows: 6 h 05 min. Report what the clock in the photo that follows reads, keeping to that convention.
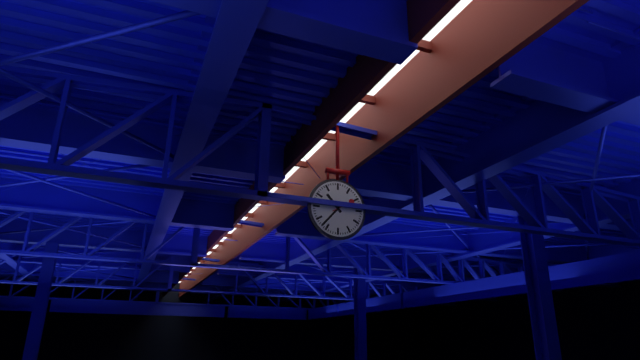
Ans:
10 h 37 min
